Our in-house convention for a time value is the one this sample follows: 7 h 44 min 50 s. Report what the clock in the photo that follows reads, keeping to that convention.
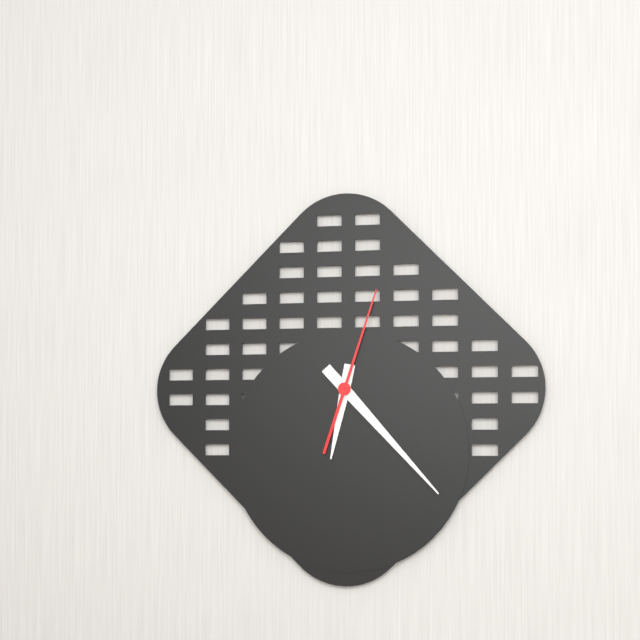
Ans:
6 h 23 min 03 s
